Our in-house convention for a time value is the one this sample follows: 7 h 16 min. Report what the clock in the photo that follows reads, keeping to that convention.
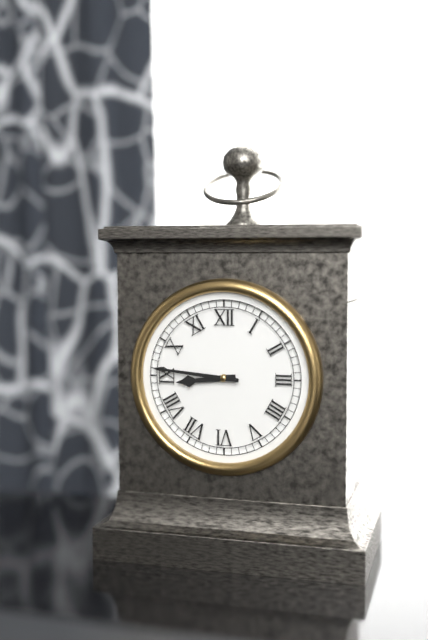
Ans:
8 h 46 min
